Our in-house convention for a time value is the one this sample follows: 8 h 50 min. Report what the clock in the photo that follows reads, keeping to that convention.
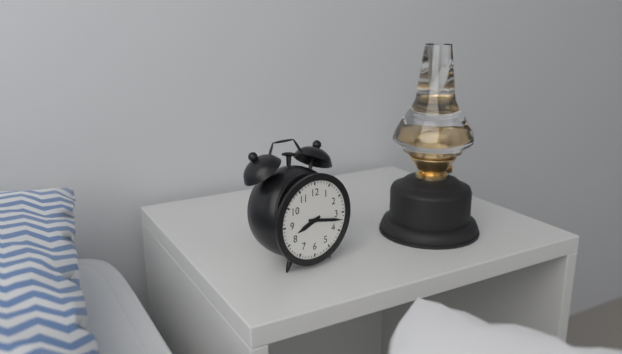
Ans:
8 h 17 min
